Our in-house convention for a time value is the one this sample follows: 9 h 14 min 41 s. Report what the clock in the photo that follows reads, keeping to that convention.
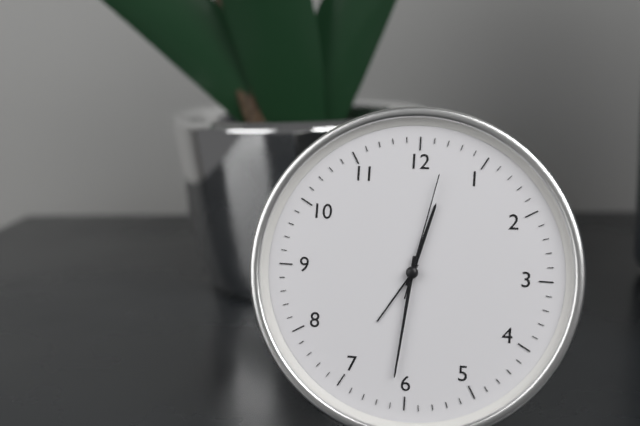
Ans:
12 h 31 min 02 s
